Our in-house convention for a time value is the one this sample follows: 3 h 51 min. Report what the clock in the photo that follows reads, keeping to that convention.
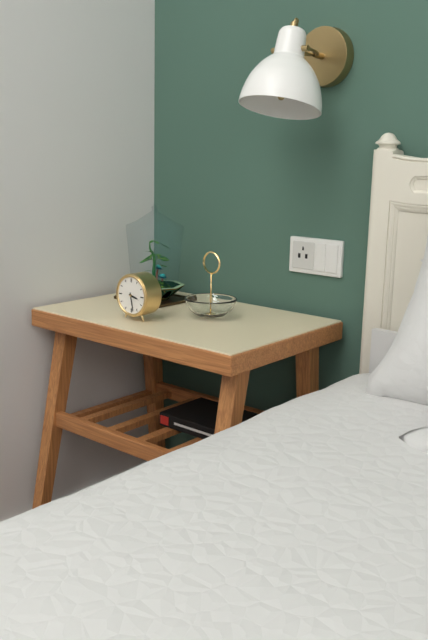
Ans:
3 h 28 min
